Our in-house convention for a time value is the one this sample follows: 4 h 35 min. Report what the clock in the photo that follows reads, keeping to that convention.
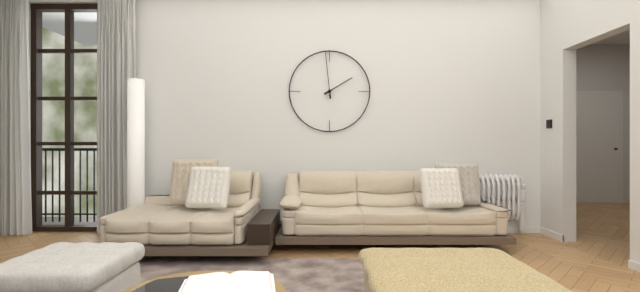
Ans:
1 h 59 min
